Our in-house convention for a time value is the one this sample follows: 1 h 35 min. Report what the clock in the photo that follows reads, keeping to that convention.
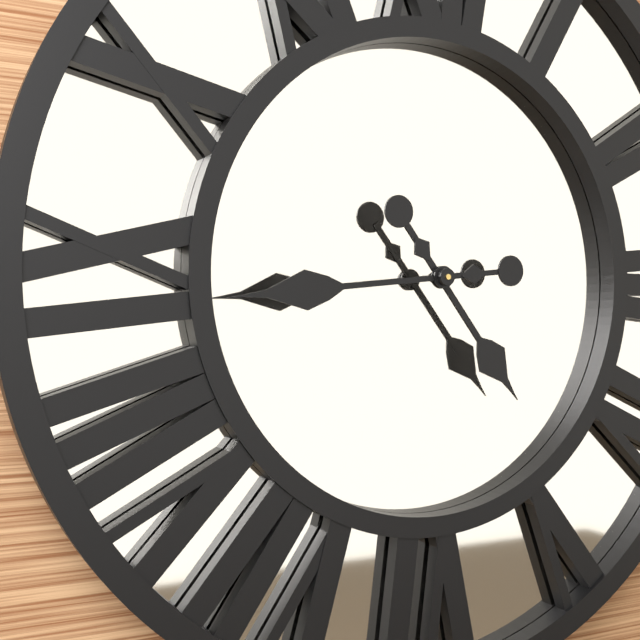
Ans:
4 h 44 min
